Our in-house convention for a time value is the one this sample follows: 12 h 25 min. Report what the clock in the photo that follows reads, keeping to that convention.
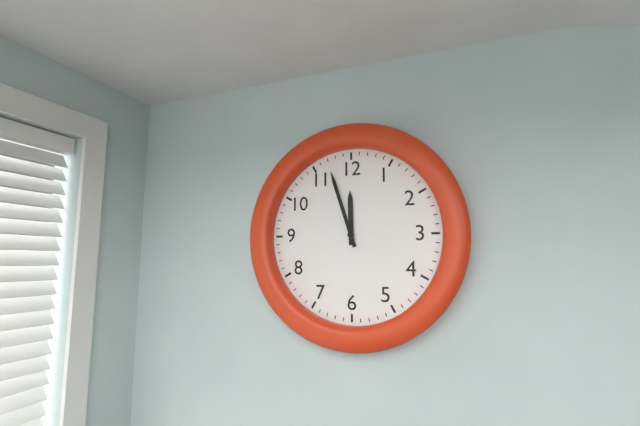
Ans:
11 h 57 min
